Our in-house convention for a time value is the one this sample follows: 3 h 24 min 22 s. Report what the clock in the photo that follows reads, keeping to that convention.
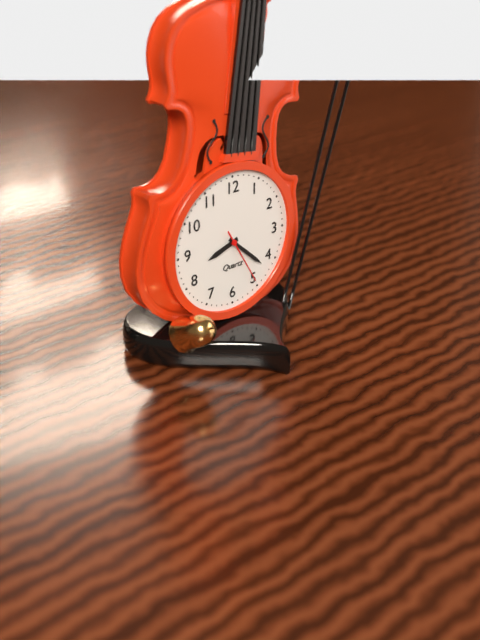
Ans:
8 h 22 min 25 s
